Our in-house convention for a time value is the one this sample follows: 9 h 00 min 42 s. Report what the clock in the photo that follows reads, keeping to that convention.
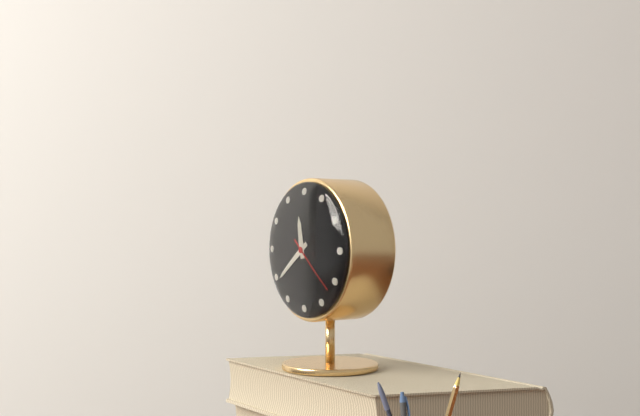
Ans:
11 h 39 min 22 s
